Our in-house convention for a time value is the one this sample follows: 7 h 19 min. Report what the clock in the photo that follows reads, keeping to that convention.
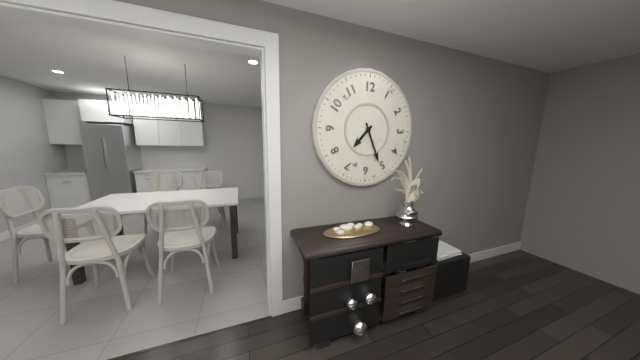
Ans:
7 h 26 min
